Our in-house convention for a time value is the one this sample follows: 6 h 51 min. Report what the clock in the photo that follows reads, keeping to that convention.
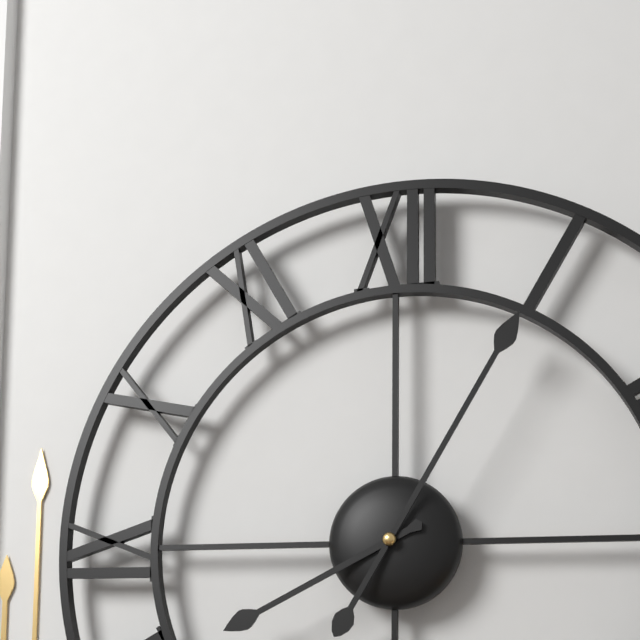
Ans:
8 h 05 min
